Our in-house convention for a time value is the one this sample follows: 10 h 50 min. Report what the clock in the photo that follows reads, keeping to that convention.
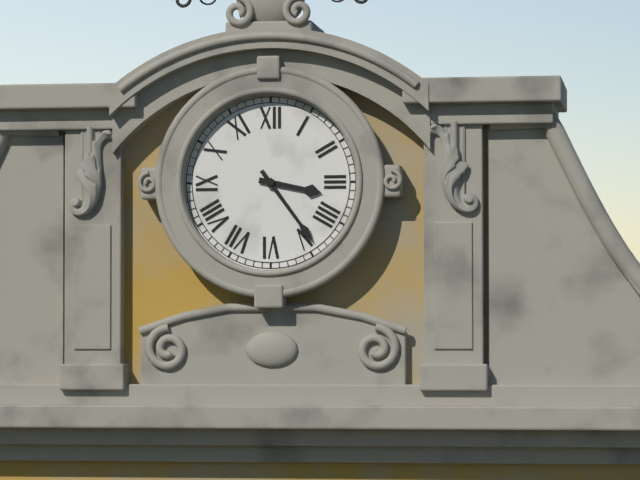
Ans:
3 h 24 min
